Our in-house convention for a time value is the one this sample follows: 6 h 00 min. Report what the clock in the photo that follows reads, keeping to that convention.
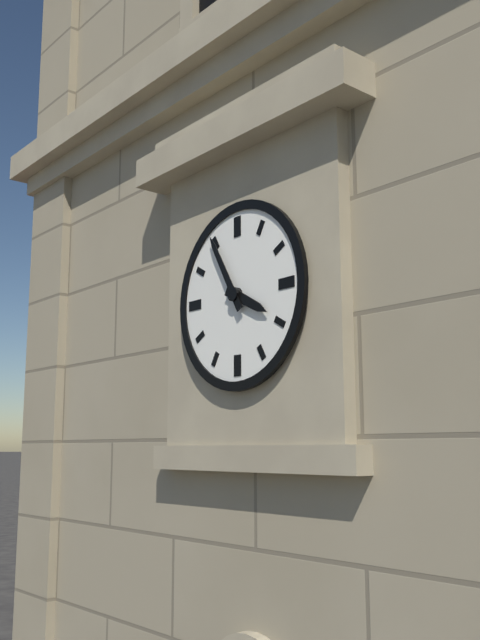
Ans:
3 h 55 min
